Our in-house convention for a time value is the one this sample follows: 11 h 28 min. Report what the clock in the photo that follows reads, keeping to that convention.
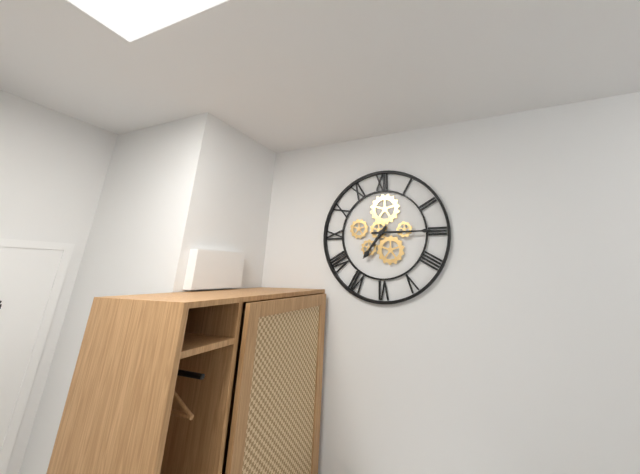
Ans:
7 h 15 min
